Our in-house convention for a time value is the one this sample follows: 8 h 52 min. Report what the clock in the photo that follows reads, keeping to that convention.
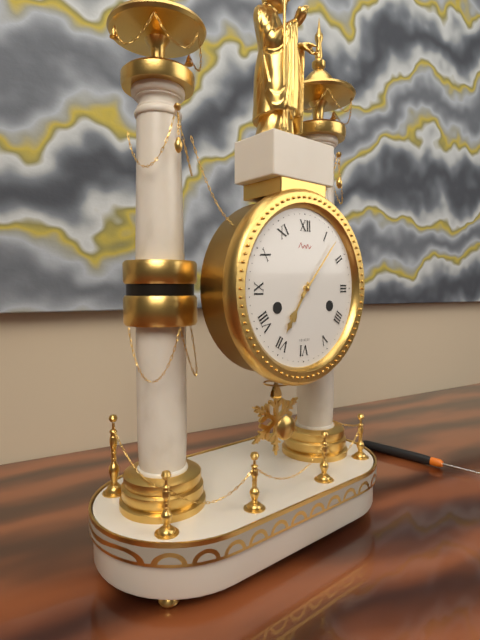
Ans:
7 h 07 min
